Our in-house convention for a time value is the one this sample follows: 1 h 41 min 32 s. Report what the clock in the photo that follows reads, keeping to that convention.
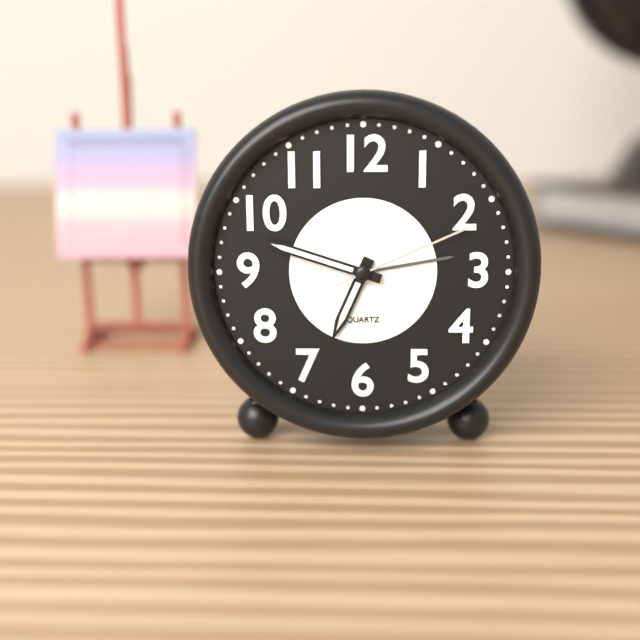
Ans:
6 h 48 min 11 s
